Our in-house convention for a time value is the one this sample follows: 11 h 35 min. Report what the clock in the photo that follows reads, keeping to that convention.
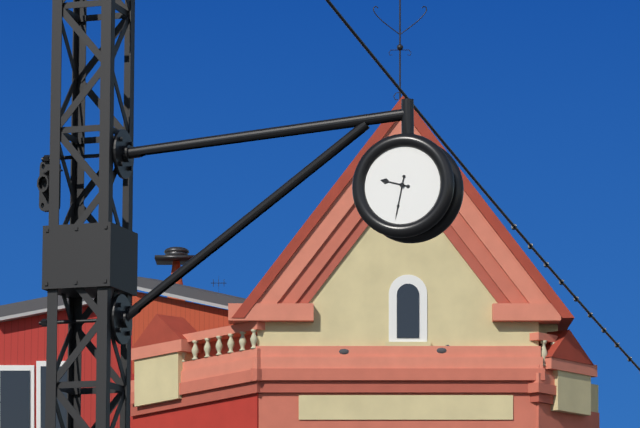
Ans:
9 h 32 min
